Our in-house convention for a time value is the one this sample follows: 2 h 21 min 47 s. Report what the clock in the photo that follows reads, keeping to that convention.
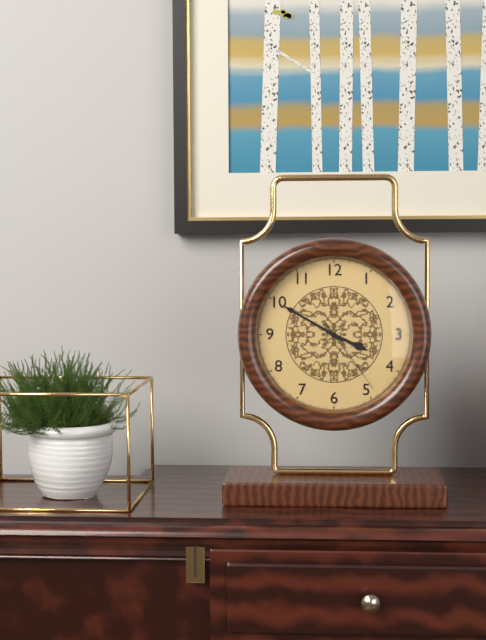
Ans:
3 h 50 min 24 s
